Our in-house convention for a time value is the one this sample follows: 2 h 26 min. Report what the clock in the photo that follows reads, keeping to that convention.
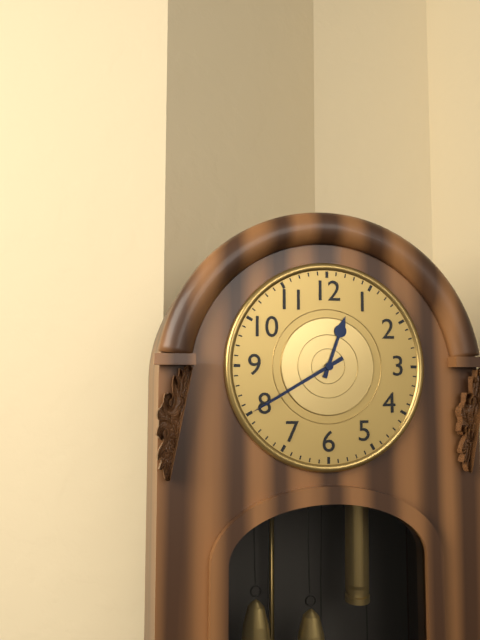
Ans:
12 h 40 min
